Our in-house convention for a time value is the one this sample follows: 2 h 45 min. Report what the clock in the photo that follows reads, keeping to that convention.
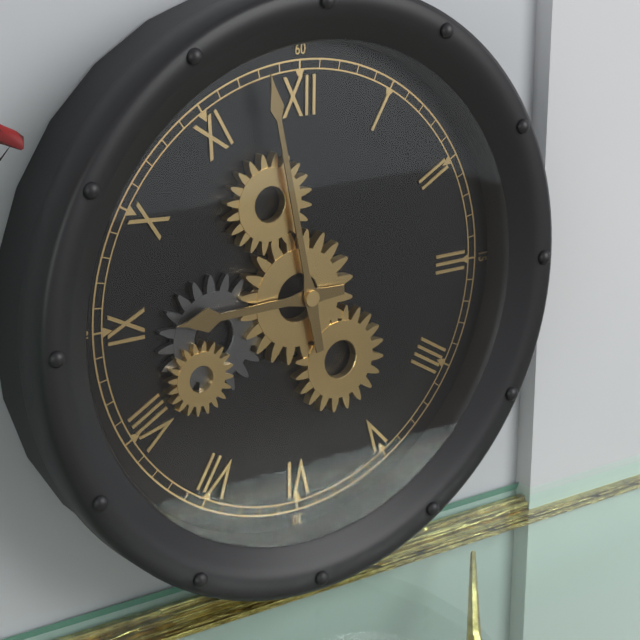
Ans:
8 h 58 min
